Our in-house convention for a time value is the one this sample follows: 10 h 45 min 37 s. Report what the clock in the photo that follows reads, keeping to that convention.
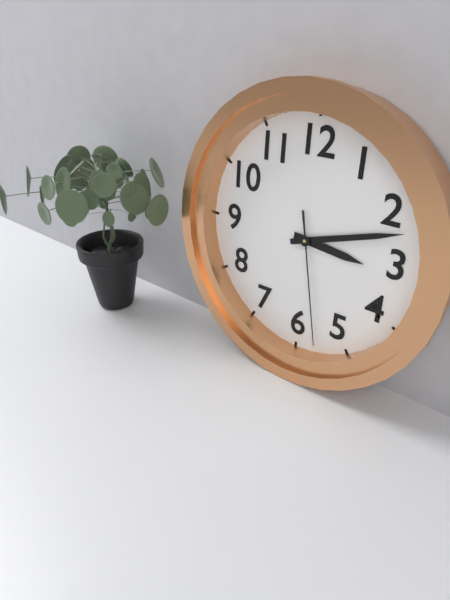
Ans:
3 h 12 min 28 s
